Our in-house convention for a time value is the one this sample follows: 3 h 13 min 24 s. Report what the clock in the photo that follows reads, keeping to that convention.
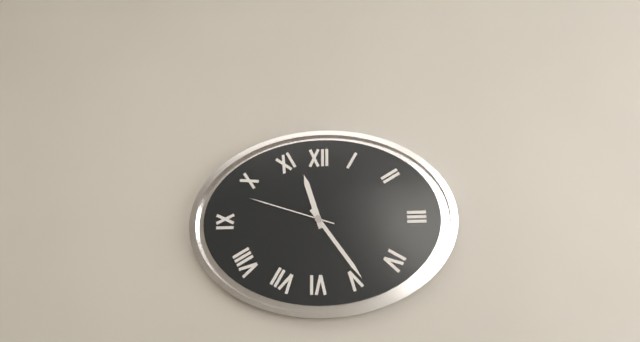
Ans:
11 h 24 min 48 s
